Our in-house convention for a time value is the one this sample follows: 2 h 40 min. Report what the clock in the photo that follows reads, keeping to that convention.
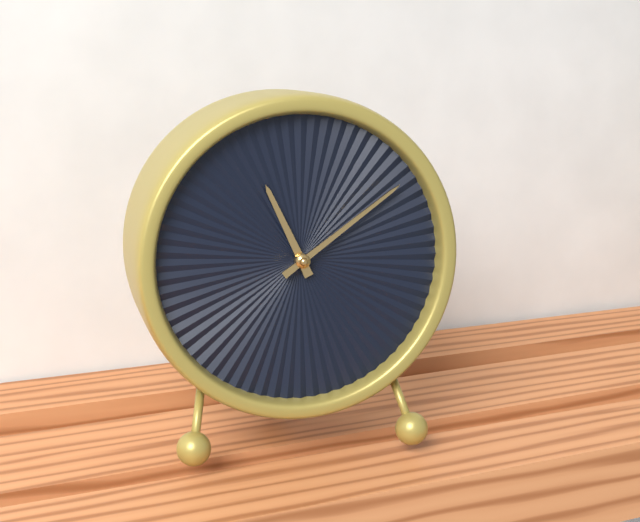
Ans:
11 h 09 min
